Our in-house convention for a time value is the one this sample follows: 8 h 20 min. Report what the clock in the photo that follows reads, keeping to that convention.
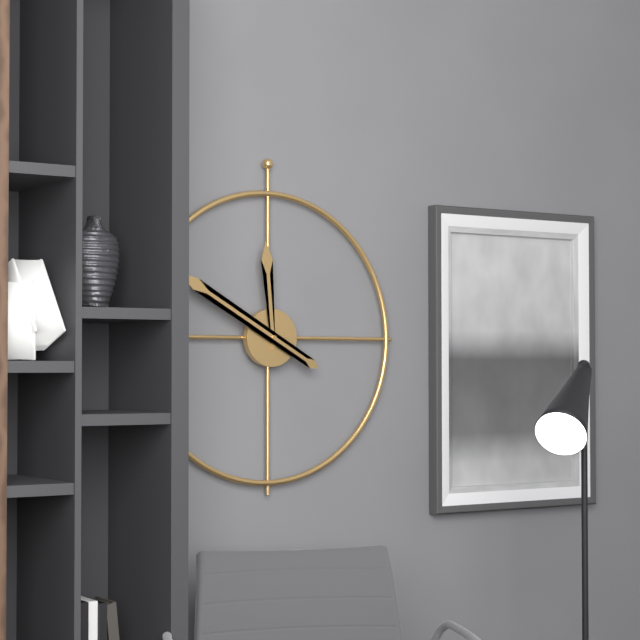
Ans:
11 h 50 min
